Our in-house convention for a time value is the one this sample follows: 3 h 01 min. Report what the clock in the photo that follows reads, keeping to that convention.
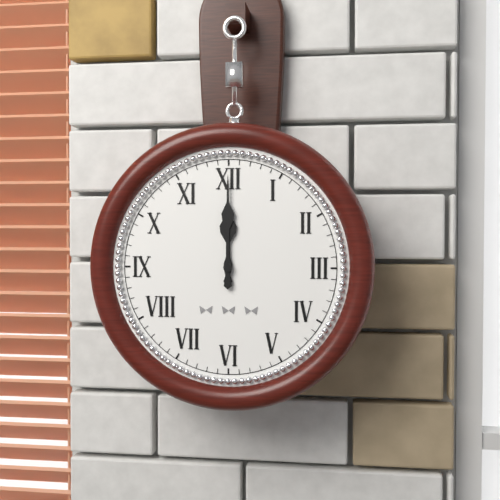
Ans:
12 h 00 min
